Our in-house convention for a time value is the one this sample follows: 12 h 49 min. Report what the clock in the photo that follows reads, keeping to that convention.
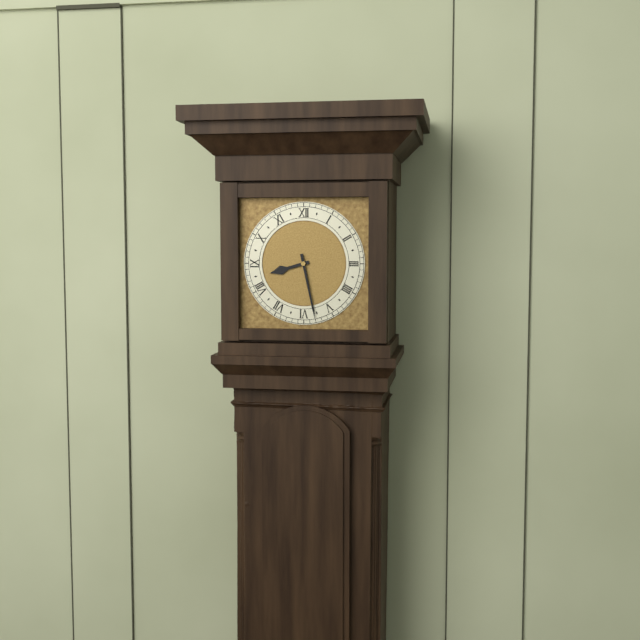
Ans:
8 h 28 min
